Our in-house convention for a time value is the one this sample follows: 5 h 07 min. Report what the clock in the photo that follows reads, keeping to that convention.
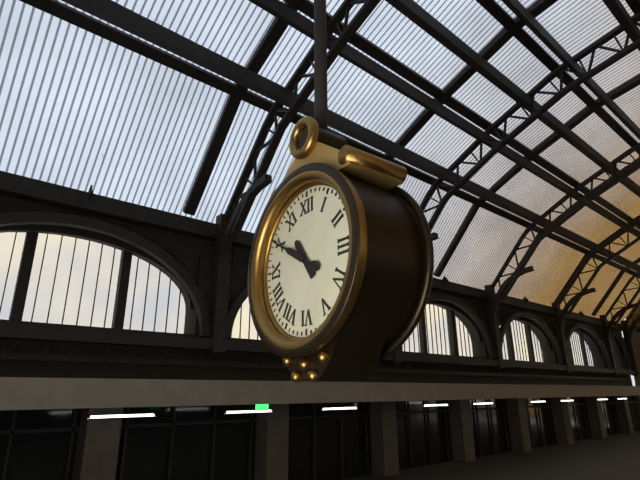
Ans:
10 h 50 min
